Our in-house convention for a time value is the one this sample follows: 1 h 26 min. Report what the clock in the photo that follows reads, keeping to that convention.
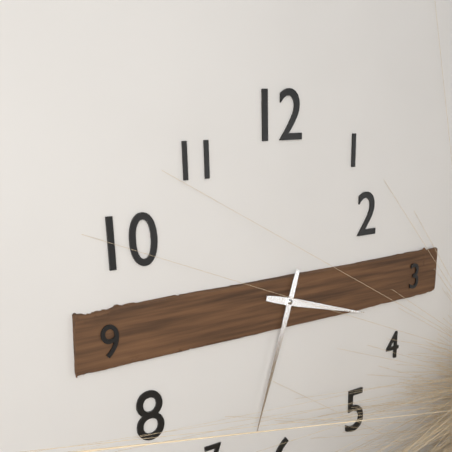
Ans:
3 h 33 min
